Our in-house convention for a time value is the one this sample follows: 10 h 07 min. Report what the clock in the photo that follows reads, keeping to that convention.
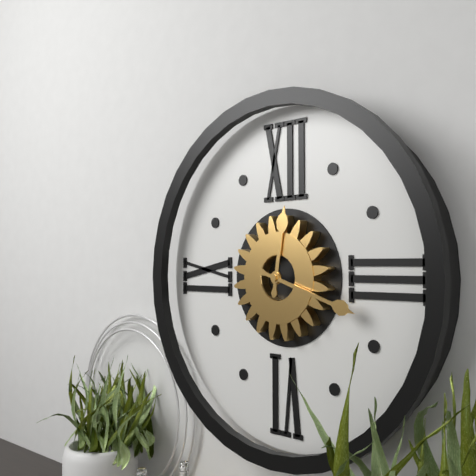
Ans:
12 h 18 min
